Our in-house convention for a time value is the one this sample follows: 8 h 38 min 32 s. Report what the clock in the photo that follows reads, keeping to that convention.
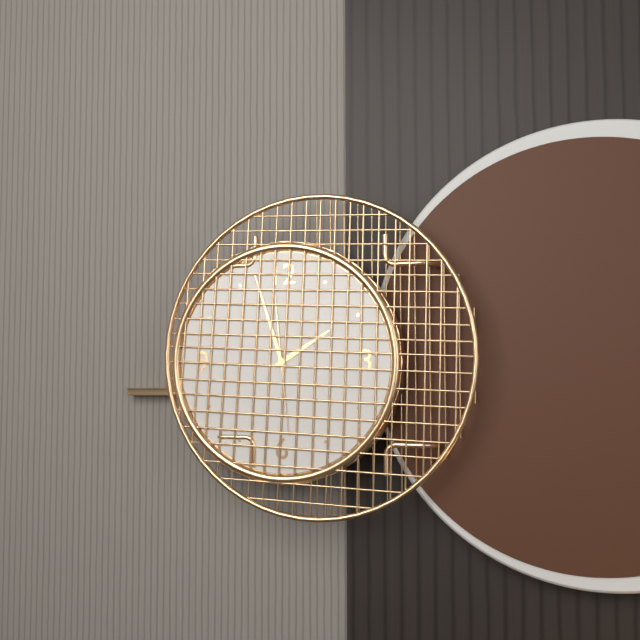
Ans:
1 h 57 min 29 s
